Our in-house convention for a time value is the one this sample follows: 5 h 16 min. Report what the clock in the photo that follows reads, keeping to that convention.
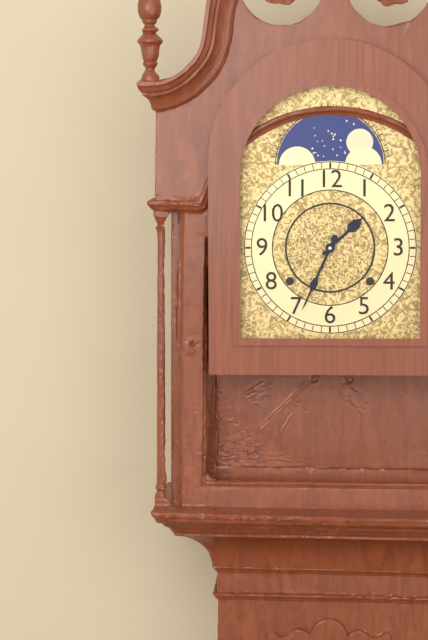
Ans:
1 h 34 min
